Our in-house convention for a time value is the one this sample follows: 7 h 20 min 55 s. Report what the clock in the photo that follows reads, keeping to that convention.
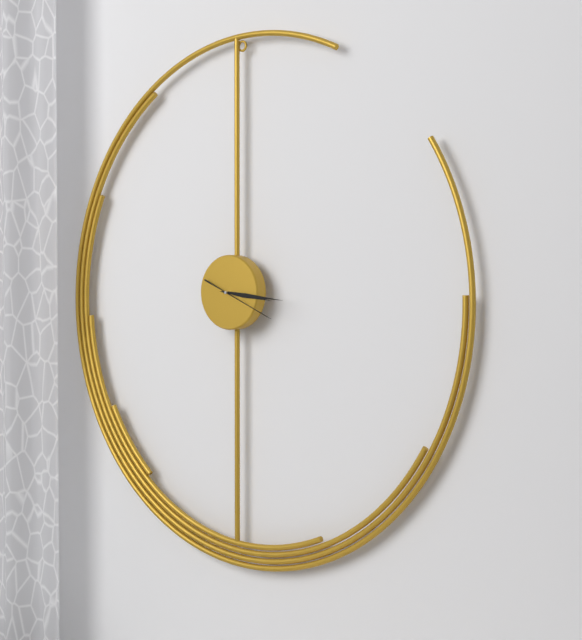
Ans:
3 h 16 min 19 s
